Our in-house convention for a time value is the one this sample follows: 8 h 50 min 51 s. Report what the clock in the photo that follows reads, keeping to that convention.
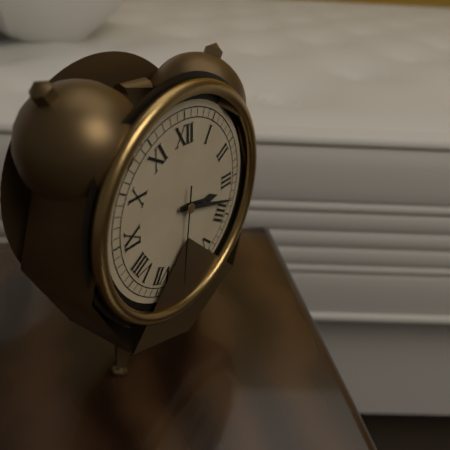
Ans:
3 h 18 min 31 s
